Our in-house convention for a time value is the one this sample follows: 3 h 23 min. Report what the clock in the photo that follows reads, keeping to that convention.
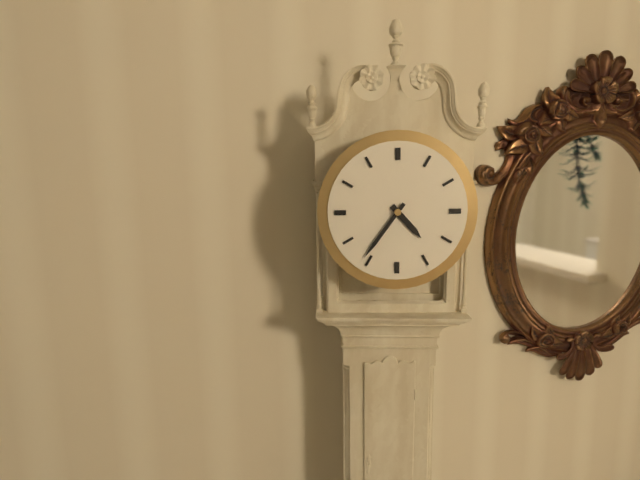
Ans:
4 h 36 min
